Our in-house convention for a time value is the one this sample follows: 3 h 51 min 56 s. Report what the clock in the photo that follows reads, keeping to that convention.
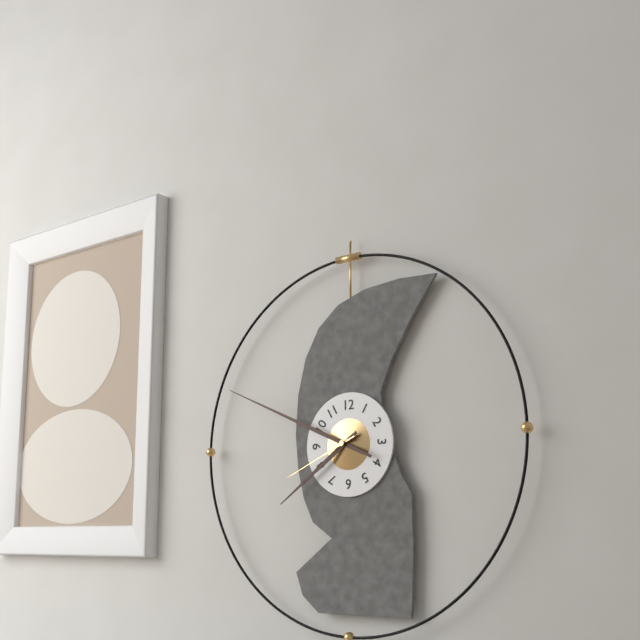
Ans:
7 h 49 min 41 s
